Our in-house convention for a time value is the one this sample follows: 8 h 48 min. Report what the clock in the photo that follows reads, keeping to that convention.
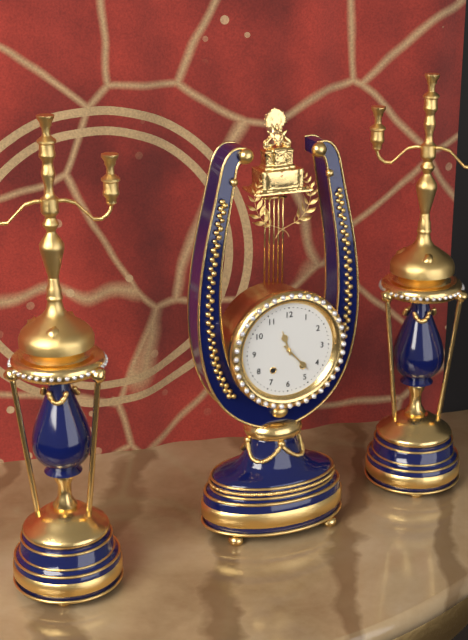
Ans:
11 h 23 min
